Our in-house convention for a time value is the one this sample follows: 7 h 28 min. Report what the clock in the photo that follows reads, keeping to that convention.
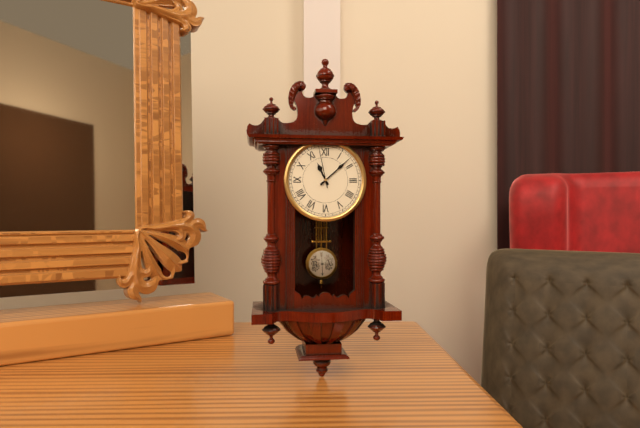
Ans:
11 h 08 min
